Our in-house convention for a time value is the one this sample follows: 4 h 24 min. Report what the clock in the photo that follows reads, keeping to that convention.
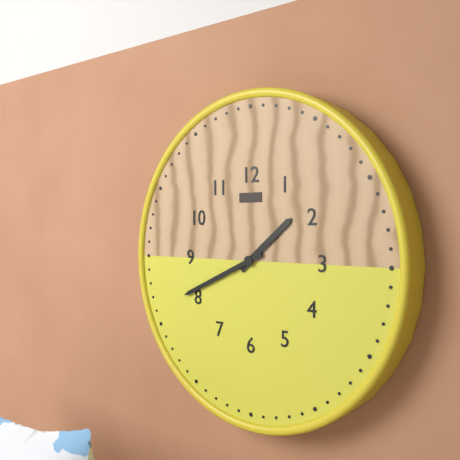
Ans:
1 h 41 min
